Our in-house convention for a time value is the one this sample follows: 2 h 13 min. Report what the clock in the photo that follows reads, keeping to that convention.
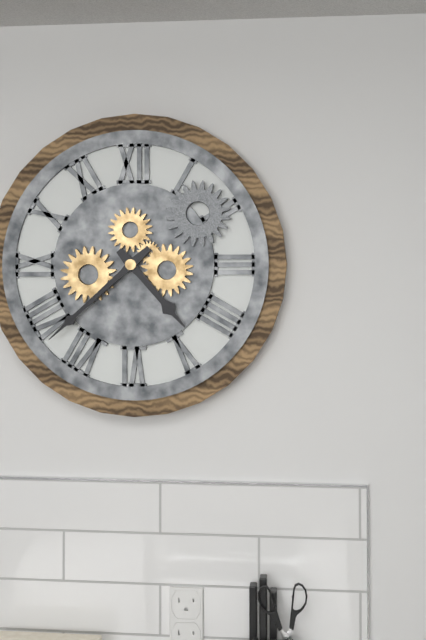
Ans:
4 h 38 min
